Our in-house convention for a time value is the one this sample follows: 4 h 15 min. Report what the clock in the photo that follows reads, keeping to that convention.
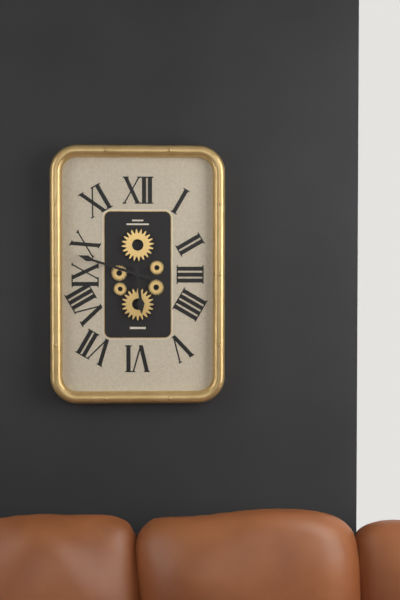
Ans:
5 h 48 min
